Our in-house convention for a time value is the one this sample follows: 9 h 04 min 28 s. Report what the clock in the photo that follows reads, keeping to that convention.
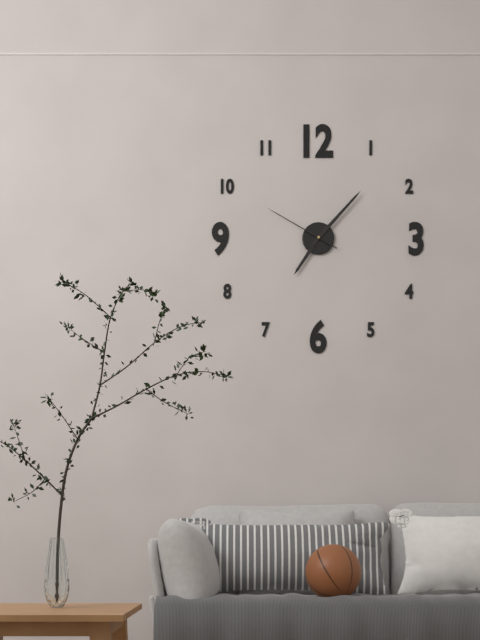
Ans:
7 h 07 min 50 s
